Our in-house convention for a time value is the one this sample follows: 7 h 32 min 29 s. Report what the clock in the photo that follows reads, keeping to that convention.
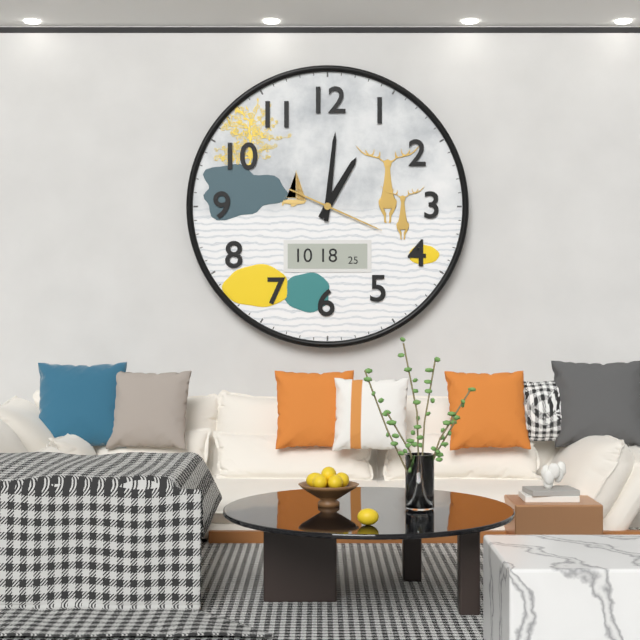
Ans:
1 h 01 min 19 s
